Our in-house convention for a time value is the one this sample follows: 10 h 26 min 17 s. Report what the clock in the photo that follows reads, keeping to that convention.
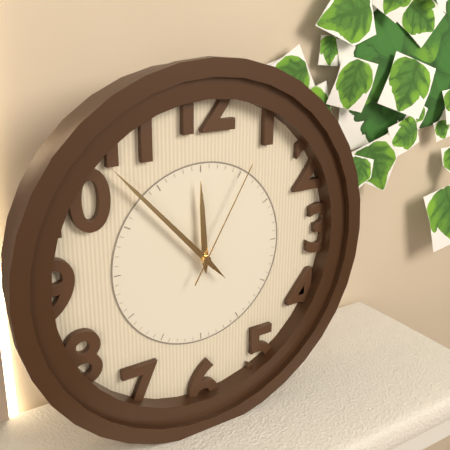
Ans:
11 h 53 min 05 s
